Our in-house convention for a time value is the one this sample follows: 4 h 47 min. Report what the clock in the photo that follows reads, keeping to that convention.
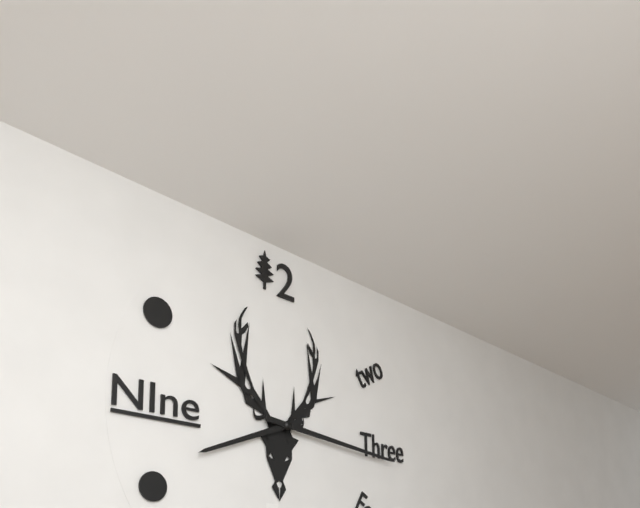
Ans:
8 h 16 min
